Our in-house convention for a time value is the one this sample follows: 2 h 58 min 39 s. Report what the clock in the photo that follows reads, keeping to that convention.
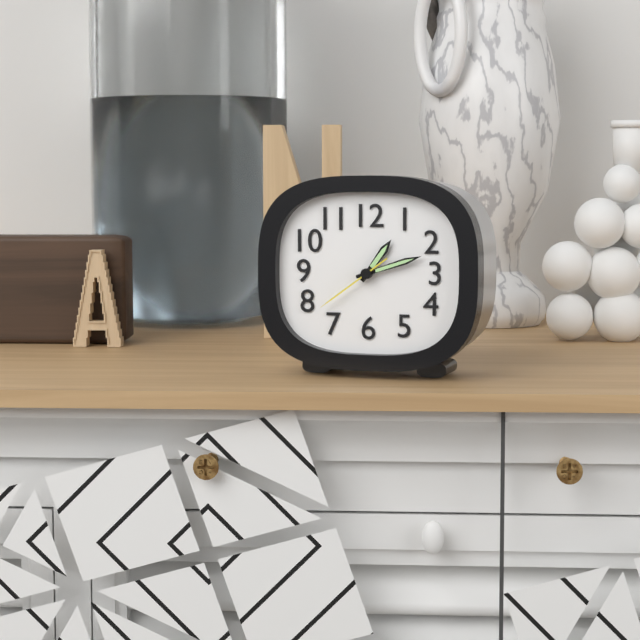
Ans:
1 h 12 min 39 s
